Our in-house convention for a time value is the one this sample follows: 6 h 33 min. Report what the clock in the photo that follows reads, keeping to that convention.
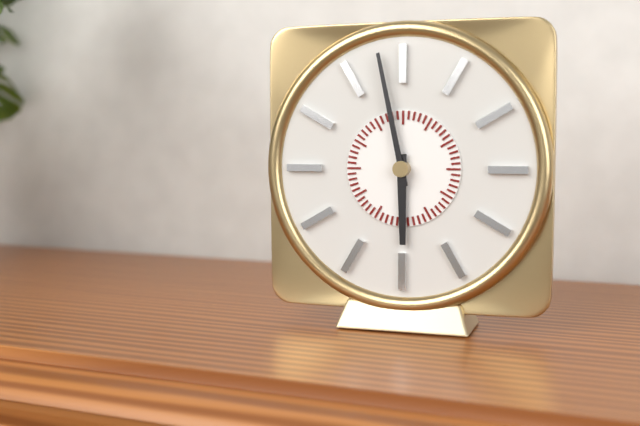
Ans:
5 h 58 min
